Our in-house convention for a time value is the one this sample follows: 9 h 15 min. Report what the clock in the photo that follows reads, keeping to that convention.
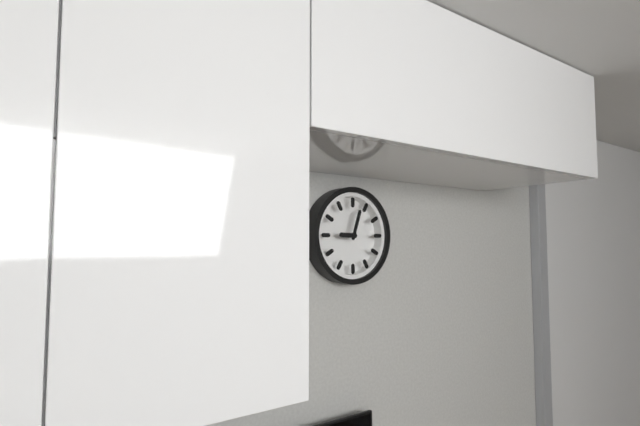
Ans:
9 h 03 min
